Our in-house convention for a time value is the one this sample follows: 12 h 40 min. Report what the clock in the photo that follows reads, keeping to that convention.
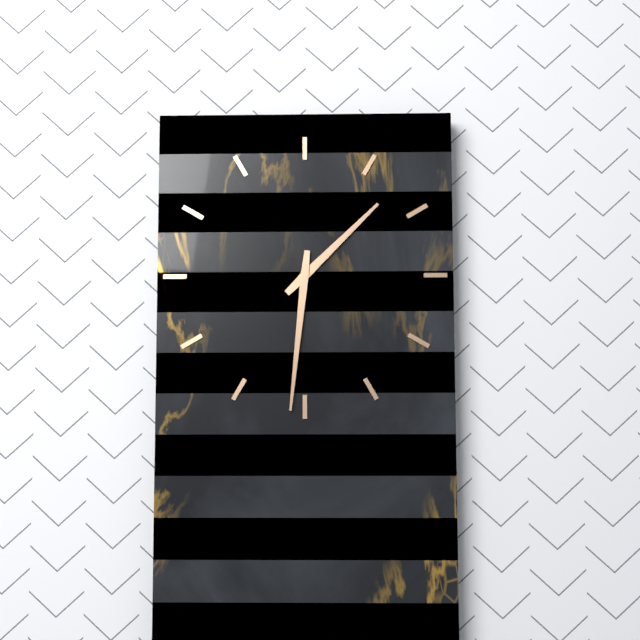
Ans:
1 h 31 min
